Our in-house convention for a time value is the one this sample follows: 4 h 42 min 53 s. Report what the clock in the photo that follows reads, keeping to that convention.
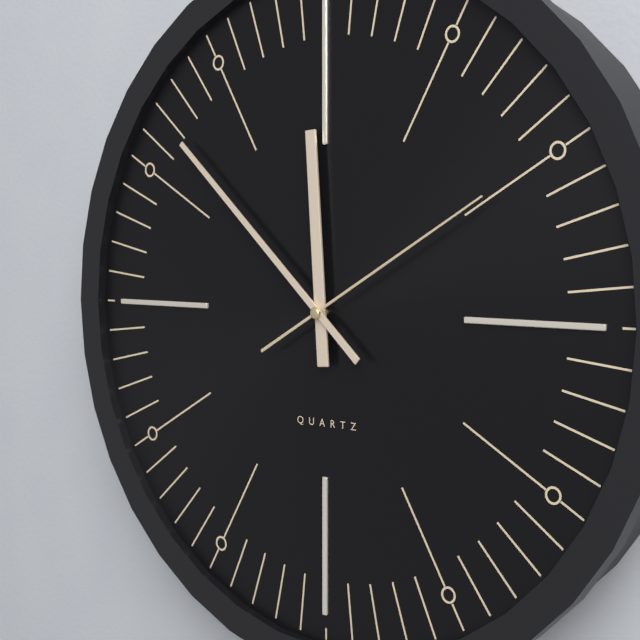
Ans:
11 h 52 min 10 s
